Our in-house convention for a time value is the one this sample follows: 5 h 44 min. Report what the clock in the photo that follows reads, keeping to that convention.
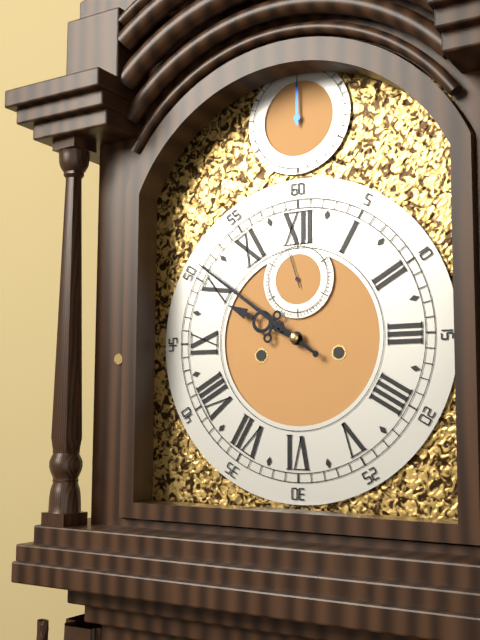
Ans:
9 h 51 min
